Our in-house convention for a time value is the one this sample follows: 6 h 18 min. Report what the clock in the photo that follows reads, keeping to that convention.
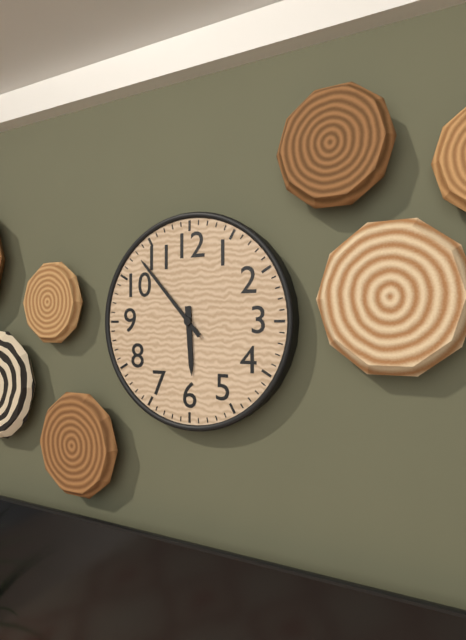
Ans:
5 h 53 min
